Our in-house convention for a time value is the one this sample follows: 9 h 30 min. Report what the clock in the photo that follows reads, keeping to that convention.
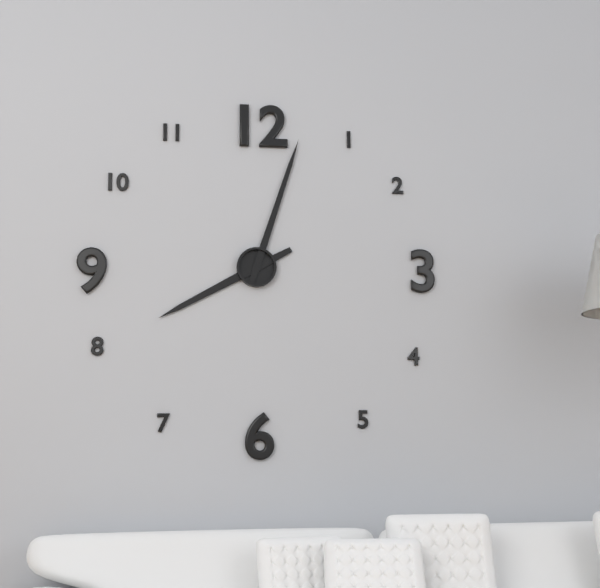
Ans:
8 h 03 min
